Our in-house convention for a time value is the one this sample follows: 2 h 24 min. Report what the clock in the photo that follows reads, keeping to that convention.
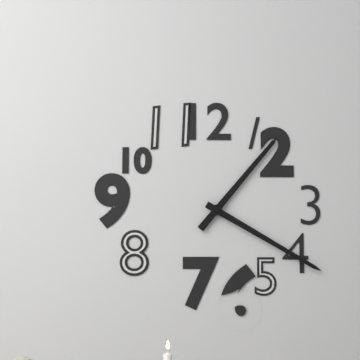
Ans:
1 h 20 min
